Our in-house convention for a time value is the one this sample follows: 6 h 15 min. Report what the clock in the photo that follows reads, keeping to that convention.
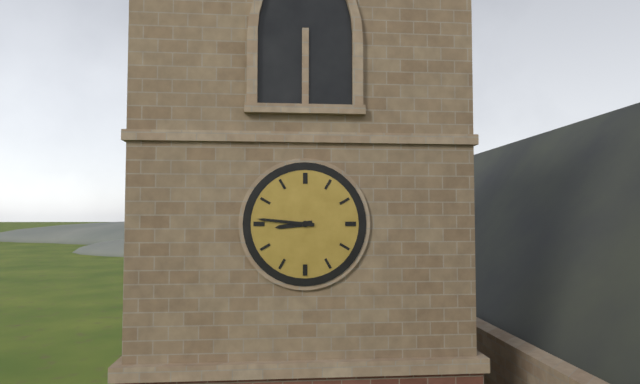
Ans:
8 h 46 min
